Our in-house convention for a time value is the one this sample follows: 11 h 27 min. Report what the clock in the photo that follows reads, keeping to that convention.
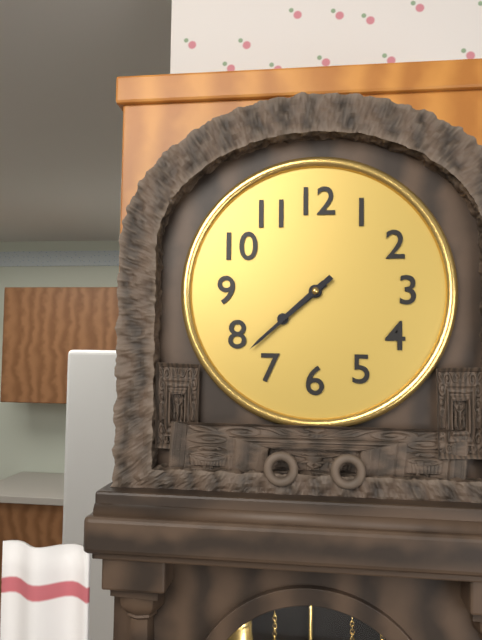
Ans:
7 h 38 min
